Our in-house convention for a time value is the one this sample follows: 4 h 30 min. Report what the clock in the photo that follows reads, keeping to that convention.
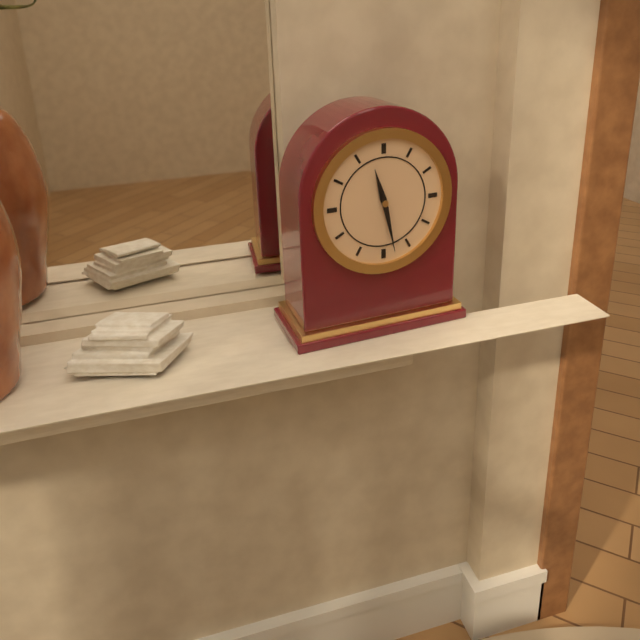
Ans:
11 h 28 min
